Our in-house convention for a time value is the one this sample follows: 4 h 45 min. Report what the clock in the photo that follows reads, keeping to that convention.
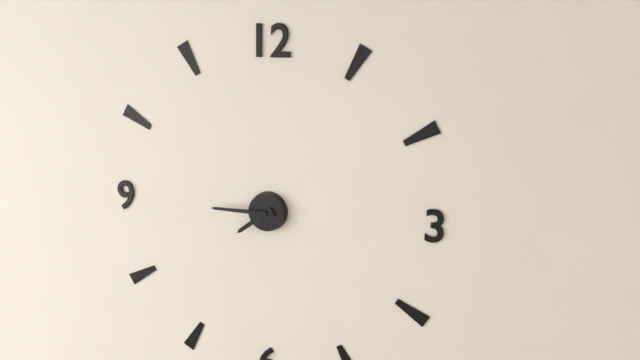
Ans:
7 h 45 min
